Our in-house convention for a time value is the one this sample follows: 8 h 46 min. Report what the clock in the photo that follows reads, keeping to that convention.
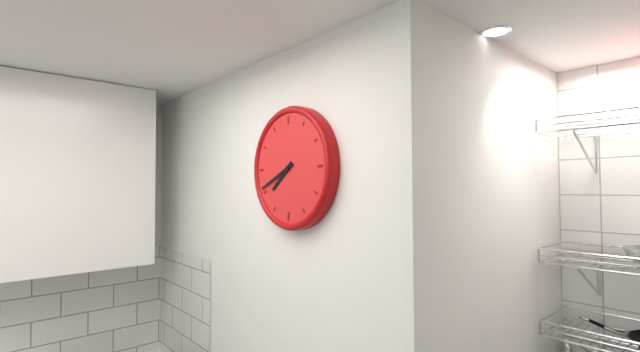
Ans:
7 h 41 min
